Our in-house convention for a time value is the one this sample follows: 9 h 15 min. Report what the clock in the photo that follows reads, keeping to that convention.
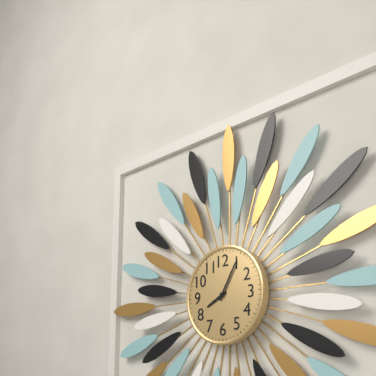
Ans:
8 h 05 min
